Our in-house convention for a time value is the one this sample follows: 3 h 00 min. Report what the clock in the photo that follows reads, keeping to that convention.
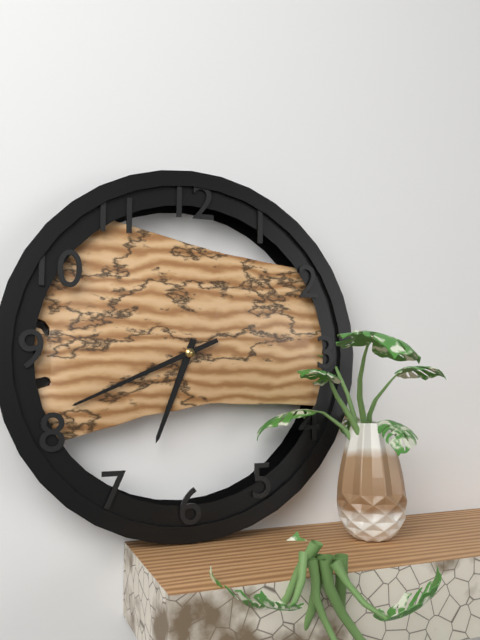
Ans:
6 h 41 min
